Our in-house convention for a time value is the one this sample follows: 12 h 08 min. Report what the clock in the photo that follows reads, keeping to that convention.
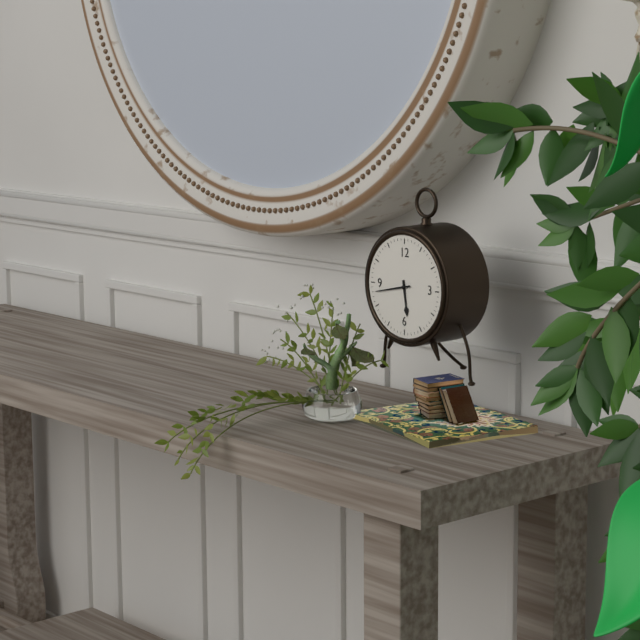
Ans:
5 h 43 min
